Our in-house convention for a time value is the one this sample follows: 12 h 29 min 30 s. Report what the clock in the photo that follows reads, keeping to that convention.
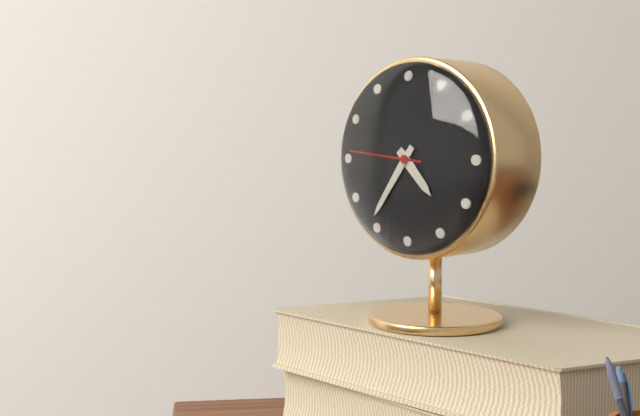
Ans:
4 h 36 min 46 s
